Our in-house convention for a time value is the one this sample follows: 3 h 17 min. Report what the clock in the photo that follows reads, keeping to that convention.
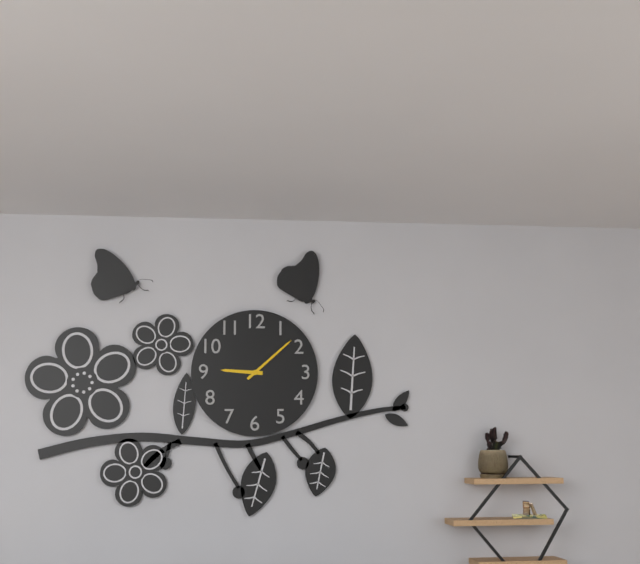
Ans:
9 h 08 min
